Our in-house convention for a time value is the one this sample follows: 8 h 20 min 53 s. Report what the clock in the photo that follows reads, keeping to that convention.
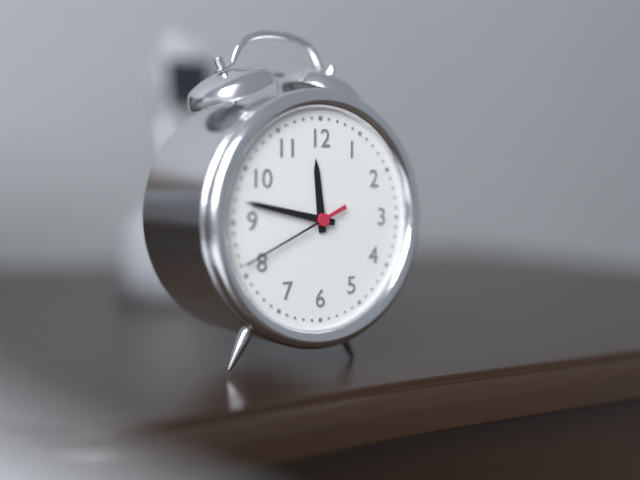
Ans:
11 h 47 min 41 s
